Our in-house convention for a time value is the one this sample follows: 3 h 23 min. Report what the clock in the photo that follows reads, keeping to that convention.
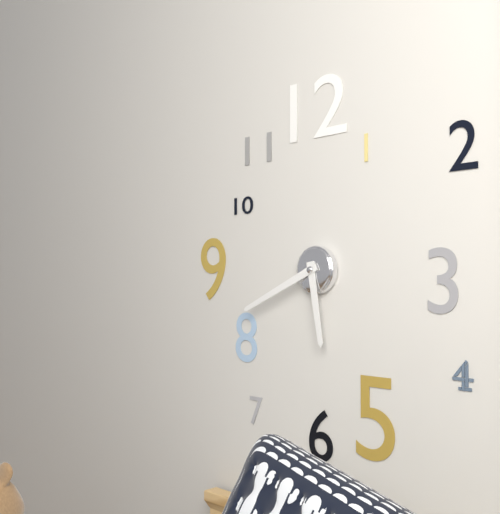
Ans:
5 h 41 min
